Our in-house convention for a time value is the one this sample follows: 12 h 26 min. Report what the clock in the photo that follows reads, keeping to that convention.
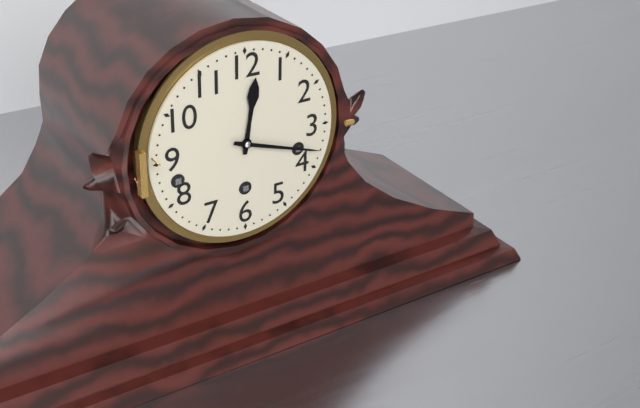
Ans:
12 h 18 min
